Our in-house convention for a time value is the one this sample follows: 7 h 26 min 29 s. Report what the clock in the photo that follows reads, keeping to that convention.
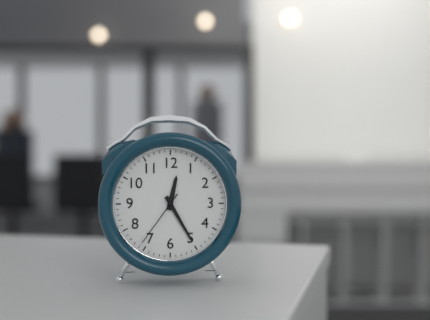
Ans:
12 h 25 min 36 s
